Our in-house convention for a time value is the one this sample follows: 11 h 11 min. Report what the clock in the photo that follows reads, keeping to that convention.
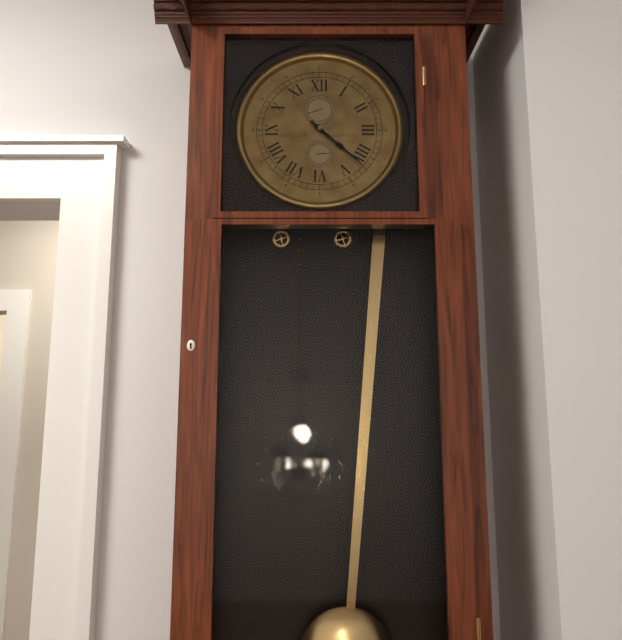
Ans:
4 h 22 min
